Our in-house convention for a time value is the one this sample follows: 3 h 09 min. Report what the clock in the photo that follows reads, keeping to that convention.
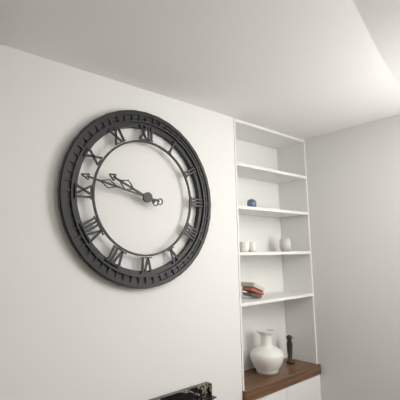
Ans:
9 h 47 min
